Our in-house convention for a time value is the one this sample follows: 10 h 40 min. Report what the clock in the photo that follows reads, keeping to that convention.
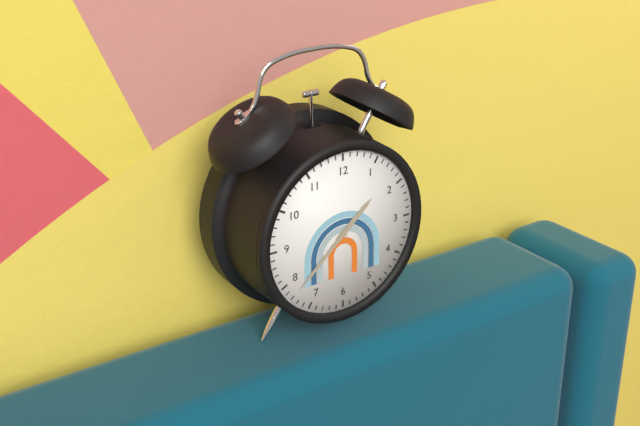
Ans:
1 h 38 min
